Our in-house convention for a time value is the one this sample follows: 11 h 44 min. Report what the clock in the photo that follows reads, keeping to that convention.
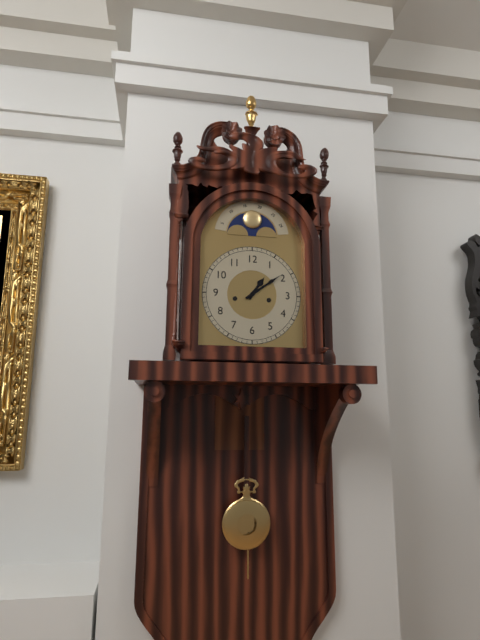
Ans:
1 h 09 min
